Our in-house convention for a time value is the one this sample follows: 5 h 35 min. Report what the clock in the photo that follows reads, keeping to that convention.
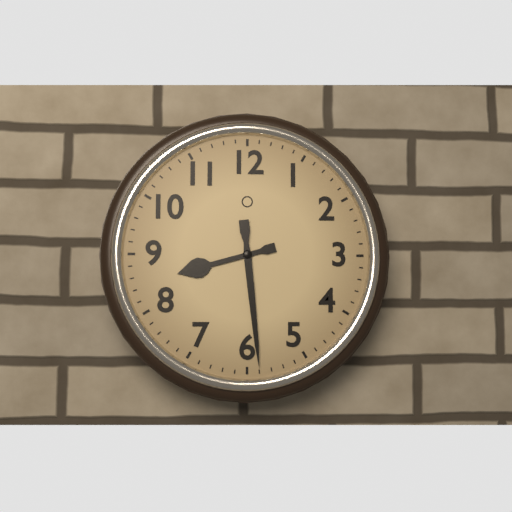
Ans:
8 h 29 min
